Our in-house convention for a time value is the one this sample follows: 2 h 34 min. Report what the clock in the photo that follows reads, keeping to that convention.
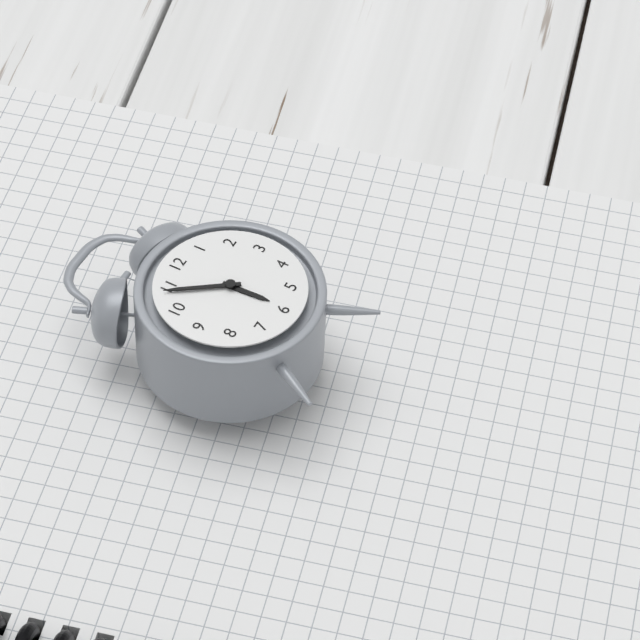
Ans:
5 h 54 min
